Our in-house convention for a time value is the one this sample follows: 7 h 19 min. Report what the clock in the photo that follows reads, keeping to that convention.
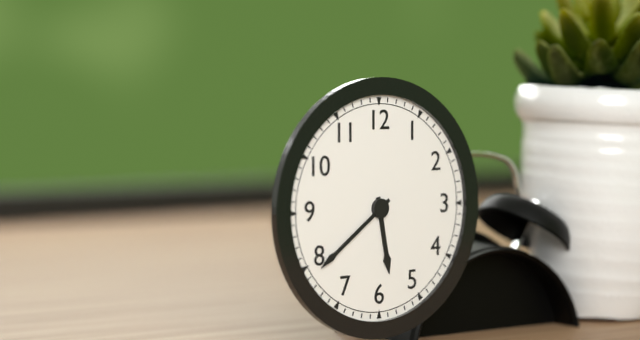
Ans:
5 h 39 min
